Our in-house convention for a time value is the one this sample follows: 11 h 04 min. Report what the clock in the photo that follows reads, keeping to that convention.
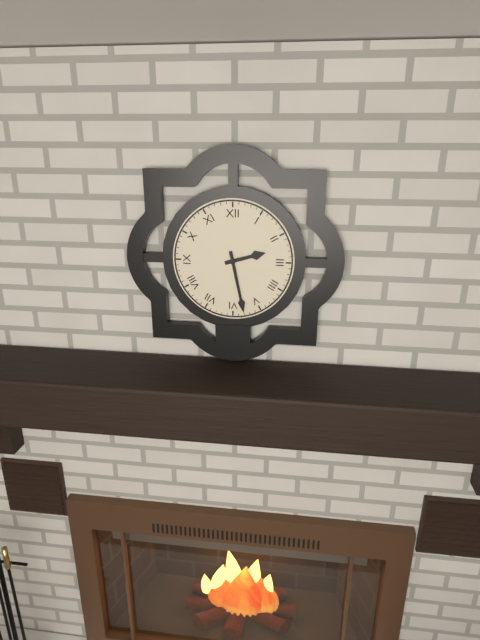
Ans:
2 h 28 min
